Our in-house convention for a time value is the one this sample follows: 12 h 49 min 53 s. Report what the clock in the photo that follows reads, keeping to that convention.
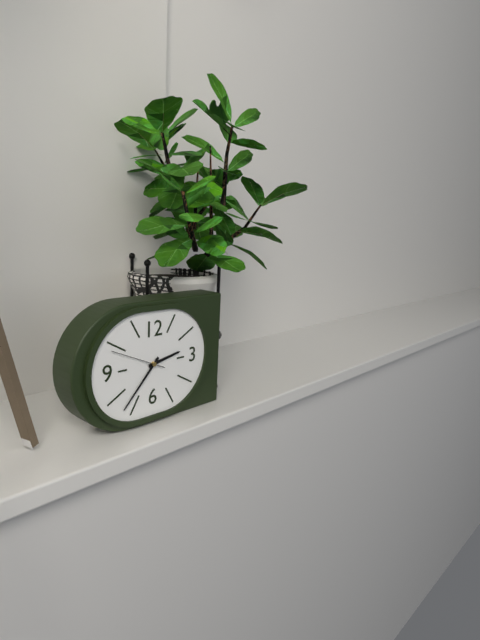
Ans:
2 h 37 min 49 s
